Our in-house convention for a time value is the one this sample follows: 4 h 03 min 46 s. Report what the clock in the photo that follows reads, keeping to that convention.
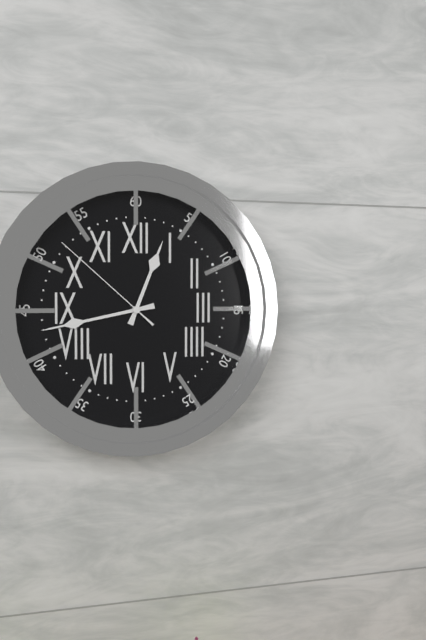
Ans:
12 h 43 min 52 s
